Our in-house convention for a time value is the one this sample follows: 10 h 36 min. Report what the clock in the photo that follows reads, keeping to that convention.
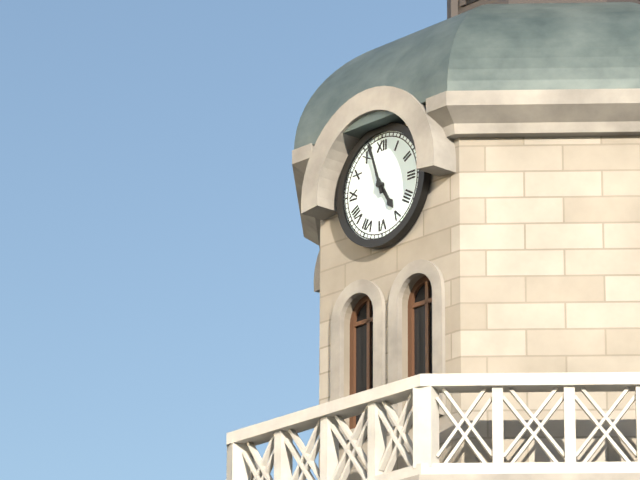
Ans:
4 h 57 min
